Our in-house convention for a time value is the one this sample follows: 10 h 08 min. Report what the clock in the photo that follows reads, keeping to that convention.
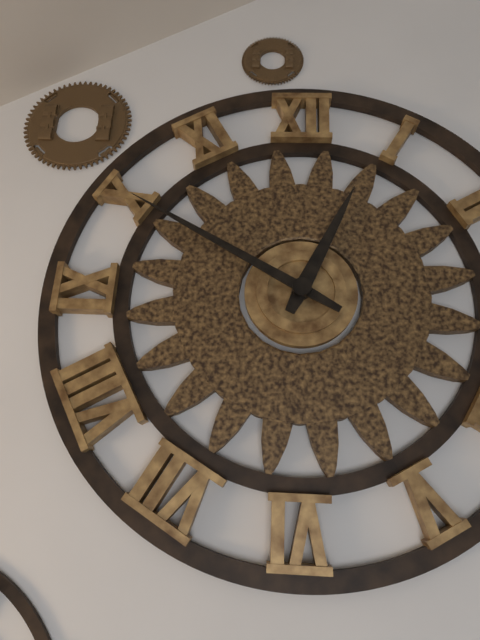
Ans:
12 h 50 min
